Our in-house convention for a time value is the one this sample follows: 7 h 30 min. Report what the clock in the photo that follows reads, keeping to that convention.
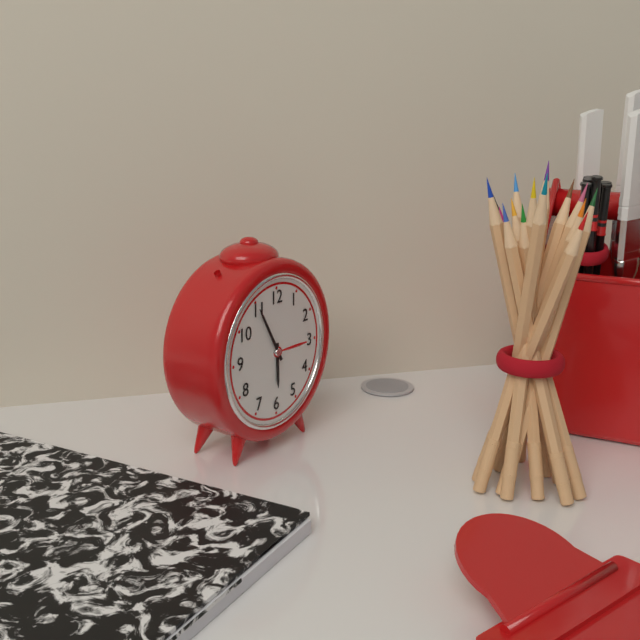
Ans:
5 h 55 min
